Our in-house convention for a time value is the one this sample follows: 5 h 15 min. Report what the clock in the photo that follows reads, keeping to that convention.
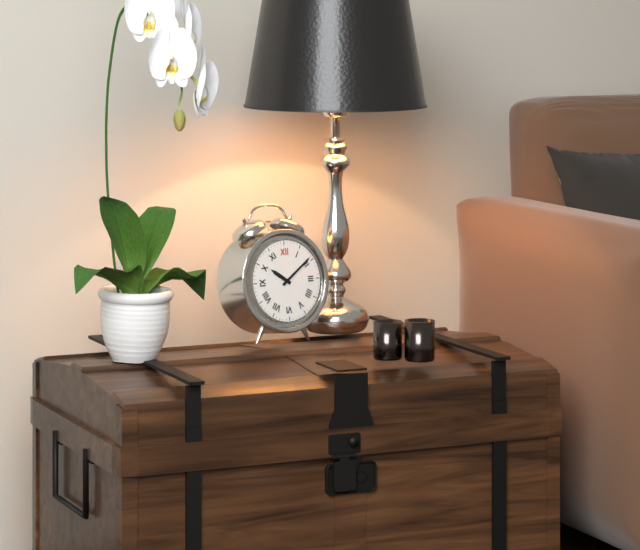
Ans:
10 h 09 min
